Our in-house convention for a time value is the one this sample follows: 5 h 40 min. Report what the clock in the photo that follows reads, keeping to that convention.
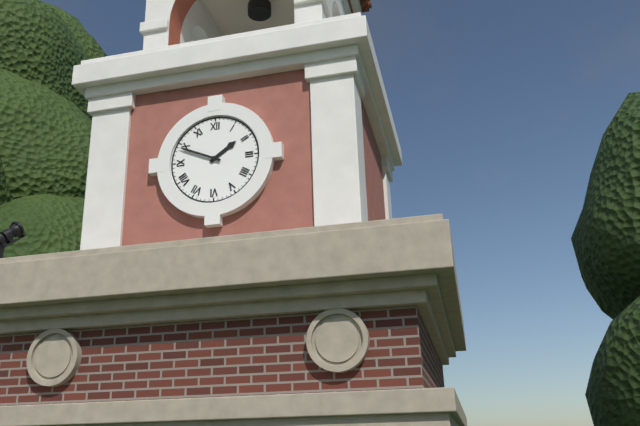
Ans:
1 h 49 min
